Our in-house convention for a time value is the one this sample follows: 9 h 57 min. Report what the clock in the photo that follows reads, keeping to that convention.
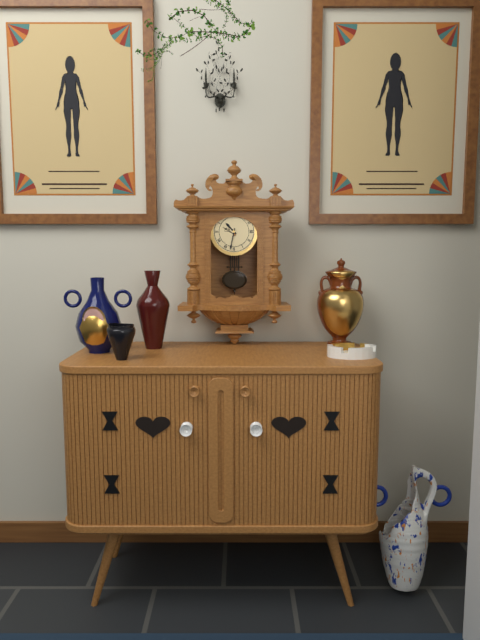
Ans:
10 h 32 min
